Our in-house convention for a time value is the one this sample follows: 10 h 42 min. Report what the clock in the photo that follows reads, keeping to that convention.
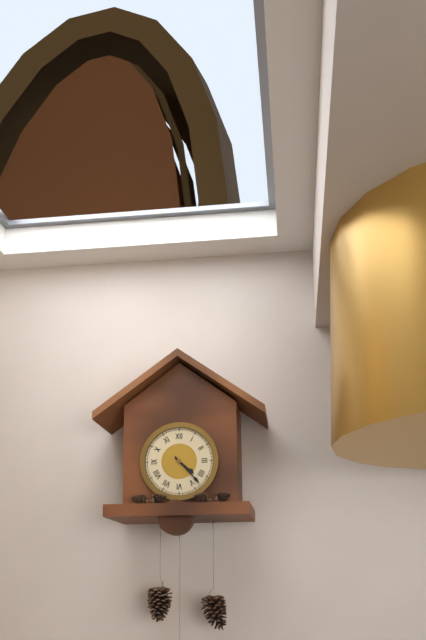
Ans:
4 h 23 min
